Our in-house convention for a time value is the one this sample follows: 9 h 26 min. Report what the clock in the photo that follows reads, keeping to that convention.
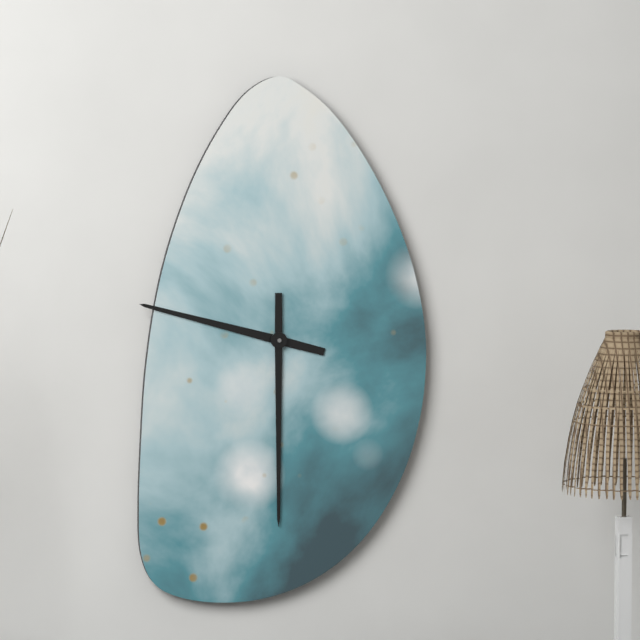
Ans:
9 h 30 min
